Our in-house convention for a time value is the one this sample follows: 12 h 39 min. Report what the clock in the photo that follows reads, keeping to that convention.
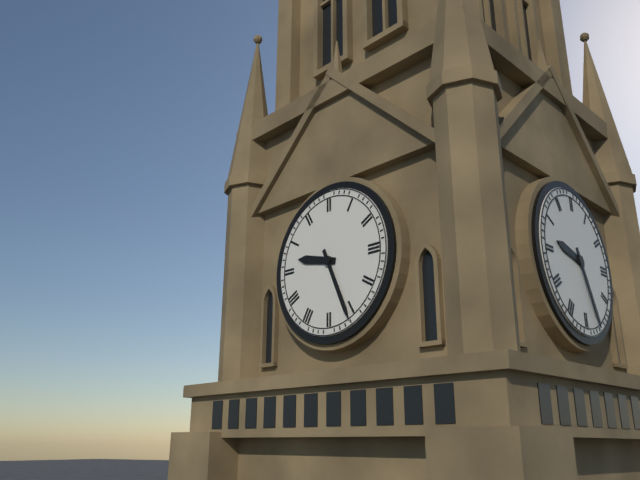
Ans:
9 h 26 min
